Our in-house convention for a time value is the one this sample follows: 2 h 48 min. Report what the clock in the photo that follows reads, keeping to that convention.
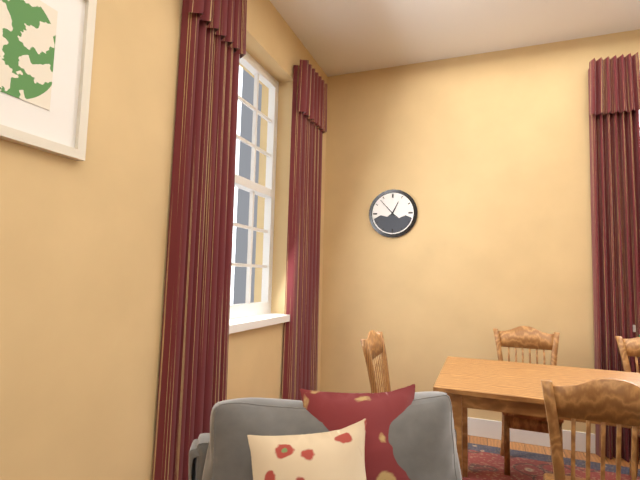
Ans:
12 h 53 min
